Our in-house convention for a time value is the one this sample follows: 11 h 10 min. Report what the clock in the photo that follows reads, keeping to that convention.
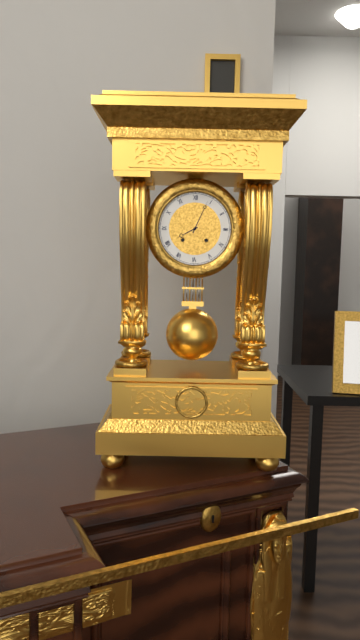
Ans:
8 h 04 min
